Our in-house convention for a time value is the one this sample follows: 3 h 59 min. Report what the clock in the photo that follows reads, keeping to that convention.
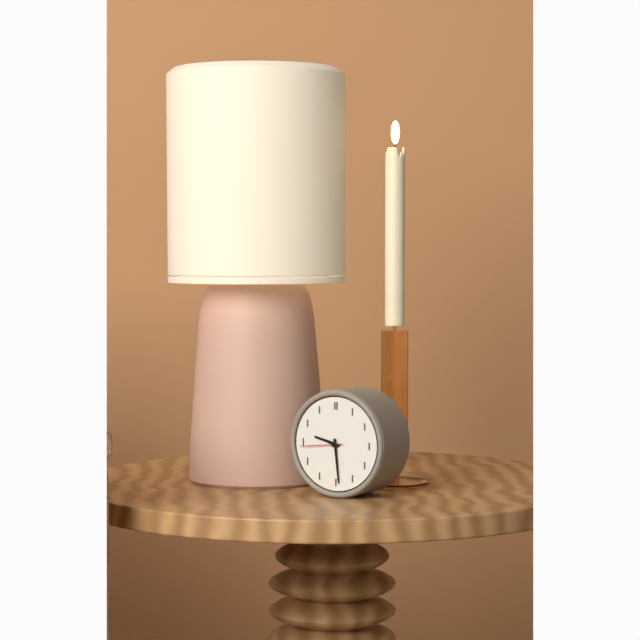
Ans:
9 h 29 min
